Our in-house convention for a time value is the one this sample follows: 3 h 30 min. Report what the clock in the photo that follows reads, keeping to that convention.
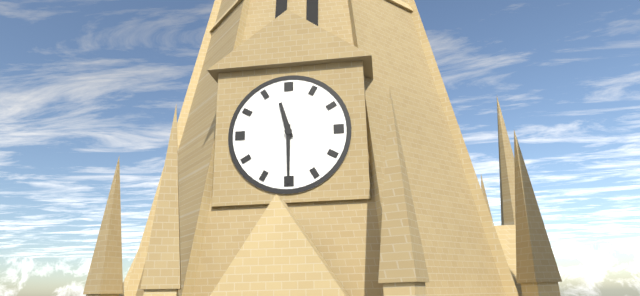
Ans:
11 h 30 min
